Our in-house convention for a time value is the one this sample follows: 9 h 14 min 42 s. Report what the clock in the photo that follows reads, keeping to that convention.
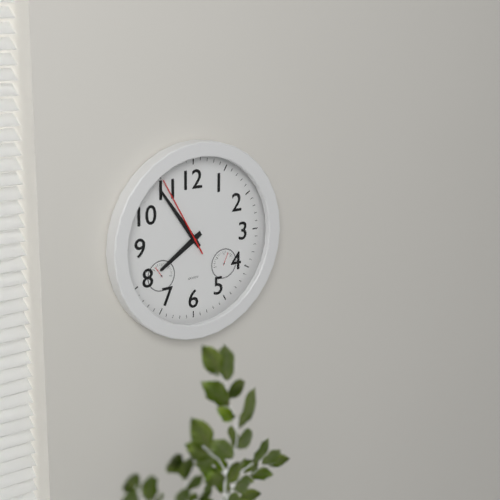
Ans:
7 h 54 min 55 s
